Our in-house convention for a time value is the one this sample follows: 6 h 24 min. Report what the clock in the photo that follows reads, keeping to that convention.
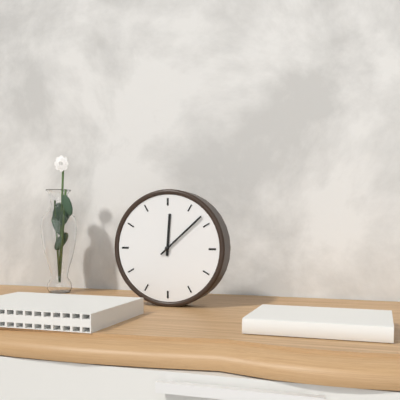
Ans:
12 h 08 min
